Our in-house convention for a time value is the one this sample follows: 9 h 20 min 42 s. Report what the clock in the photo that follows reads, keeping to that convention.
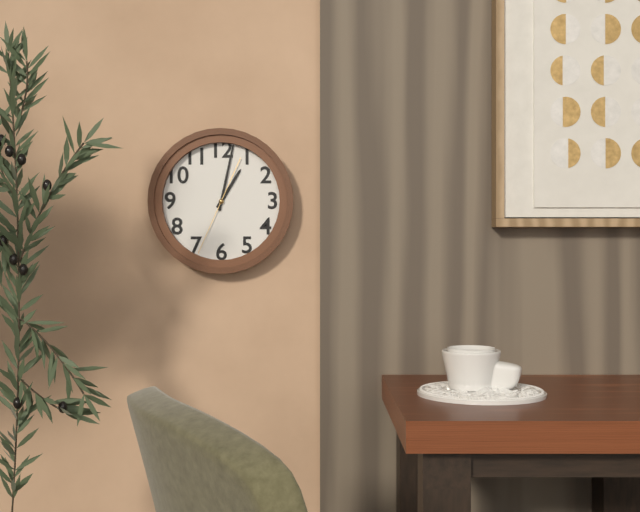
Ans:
1 h 02 min 34 s
